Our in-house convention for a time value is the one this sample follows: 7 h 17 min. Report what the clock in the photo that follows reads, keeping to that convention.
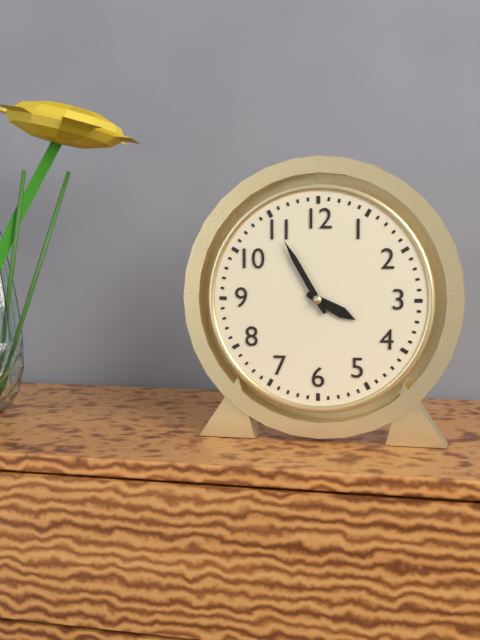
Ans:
3 h 55 min
